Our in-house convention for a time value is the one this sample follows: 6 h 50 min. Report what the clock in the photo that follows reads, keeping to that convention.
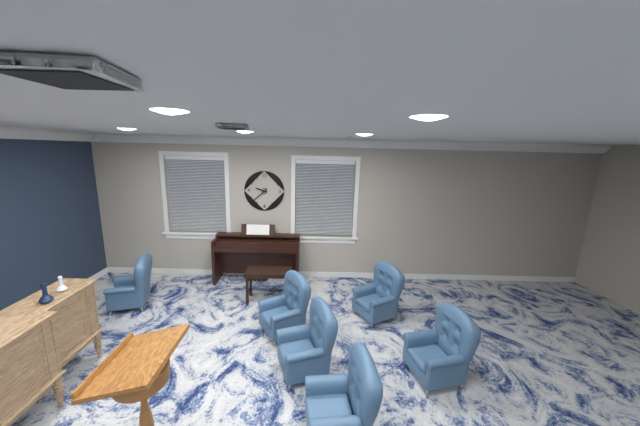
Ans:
9 h 38 min
